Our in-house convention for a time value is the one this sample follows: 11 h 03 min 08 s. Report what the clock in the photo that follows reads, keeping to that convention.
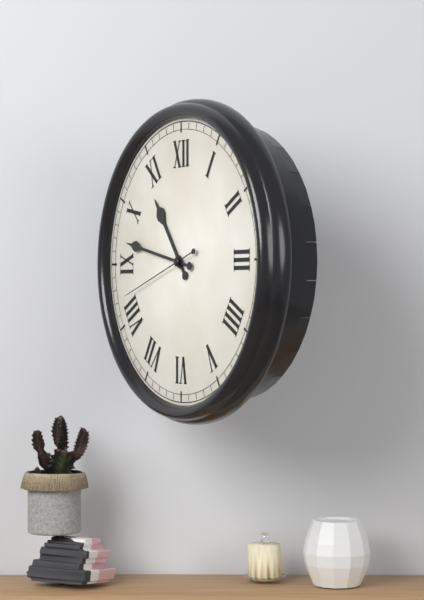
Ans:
10 h 47 min 42 s
